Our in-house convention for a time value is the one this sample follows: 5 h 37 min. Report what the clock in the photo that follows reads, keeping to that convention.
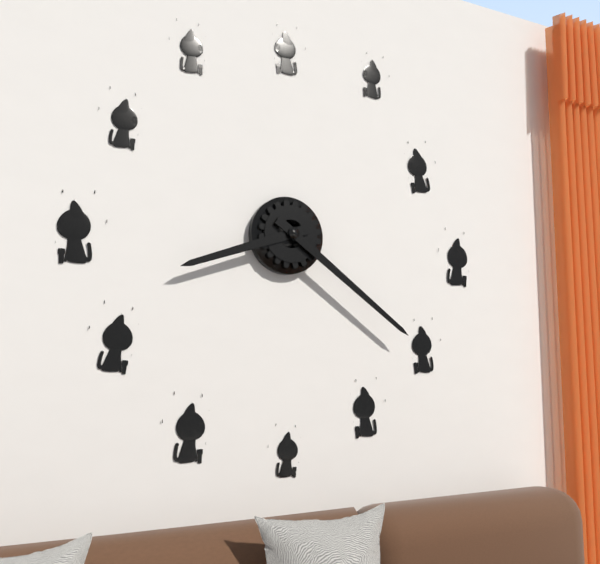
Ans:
8 h 21 min
